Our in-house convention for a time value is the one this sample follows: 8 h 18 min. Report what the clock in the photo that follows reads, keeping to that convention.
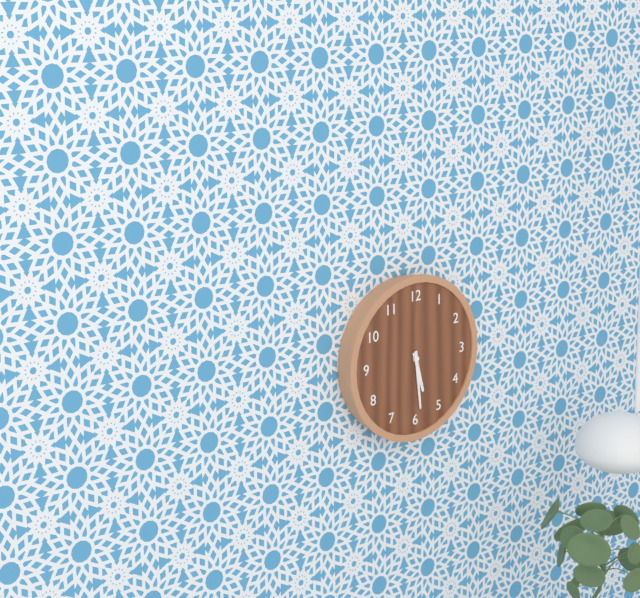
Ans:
5 h 29 min
